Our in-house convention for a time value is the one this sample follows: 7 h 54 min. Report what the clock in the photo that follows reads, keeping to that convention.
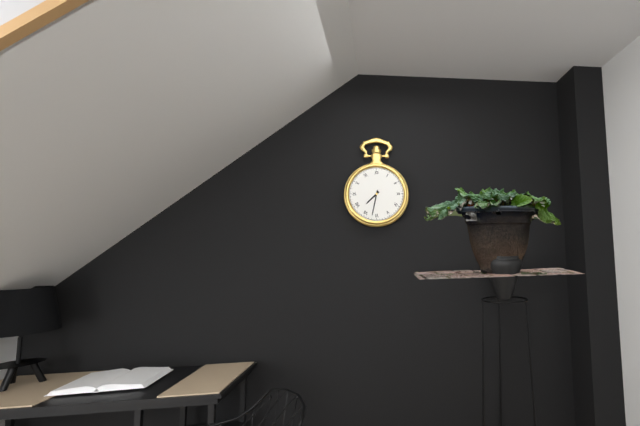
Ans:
7 h 32 min
